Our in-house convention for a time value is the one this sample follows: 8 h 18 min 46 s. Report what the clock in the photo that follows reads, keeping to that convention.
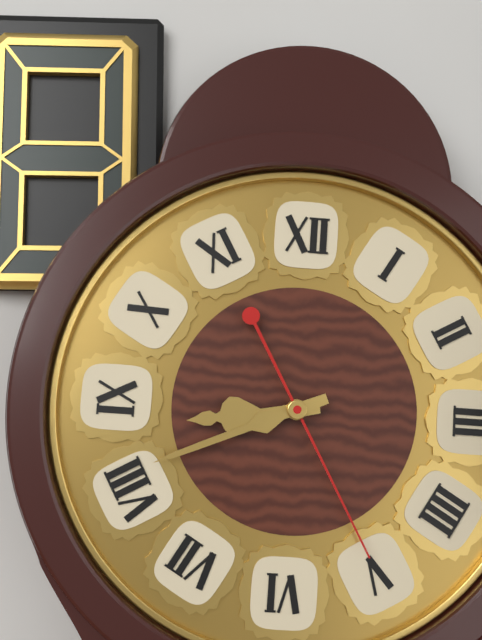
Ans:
8 h 41 min 25 s
